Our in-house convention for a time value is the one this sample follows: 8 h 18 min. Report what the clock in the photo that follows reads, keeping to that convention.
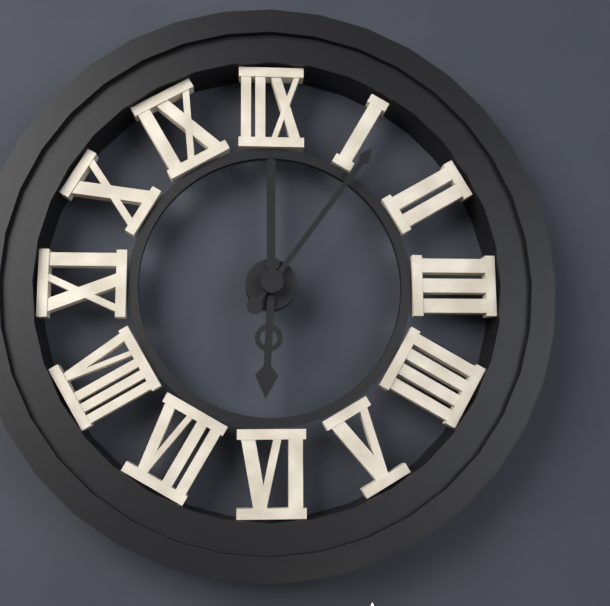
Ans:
6 h 06 min
